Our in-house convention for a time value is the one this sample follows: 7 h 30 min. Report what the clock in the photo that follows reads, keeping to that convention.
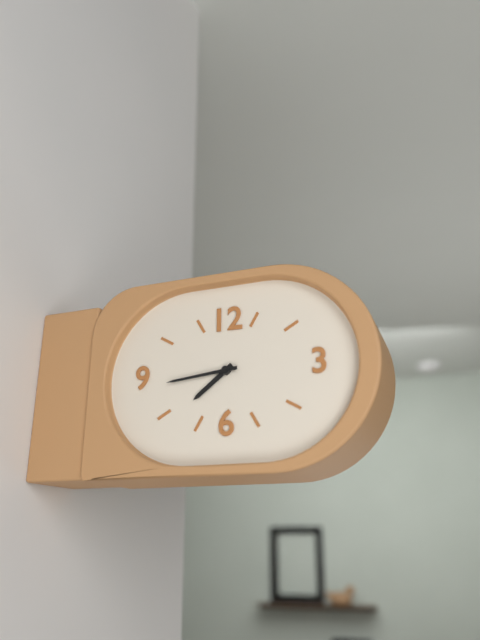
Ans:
7 h 44 min
